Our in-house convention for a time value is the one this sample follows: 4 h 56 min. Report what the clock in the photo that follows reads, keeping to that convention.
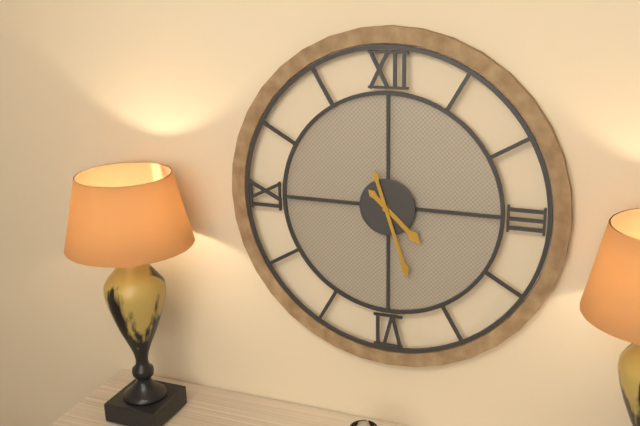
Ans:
4 h 27 min
